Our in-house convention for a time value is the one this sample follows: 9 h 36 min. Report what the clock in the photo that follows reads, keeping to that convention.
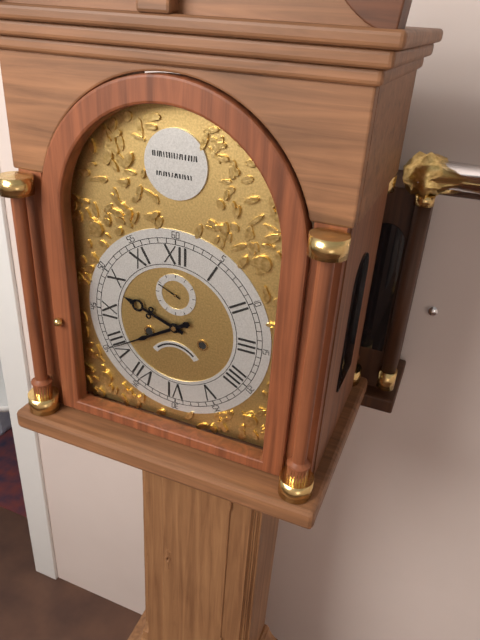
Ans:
9 h 40 min
